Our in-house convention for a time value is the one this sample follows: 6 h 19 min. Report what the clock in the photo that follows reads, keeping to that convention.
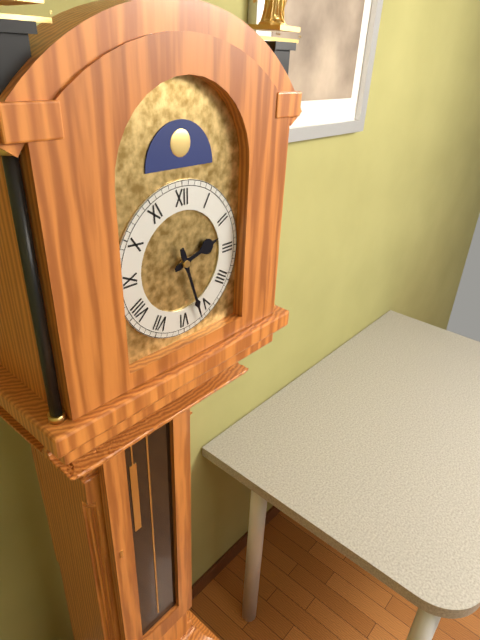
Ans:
2 h 27 min
